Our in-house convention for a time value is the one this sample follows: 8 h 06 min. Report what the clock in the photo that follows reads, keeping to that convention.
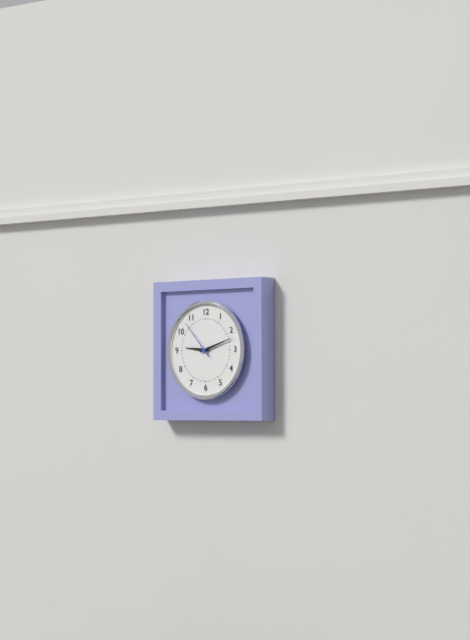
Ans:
9 h 12 min
